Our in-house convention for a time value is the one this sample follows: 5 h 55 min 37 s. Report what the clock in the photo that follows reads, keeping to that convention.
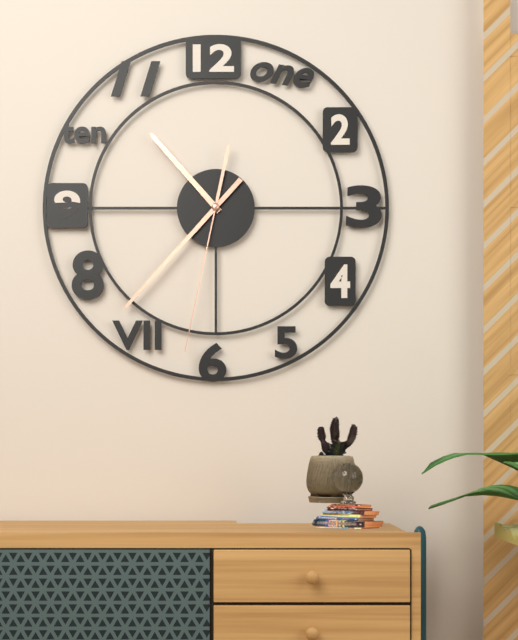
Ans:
10 h 37 min 32 s
